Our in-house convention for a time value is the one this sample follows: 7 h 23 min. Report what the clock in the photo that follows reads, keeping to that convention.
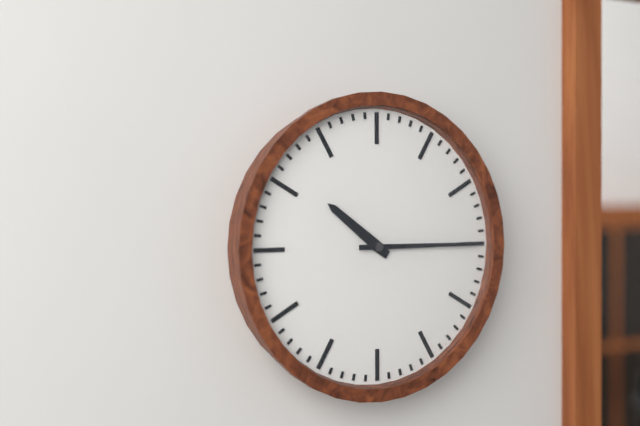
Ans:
10 h 15 min
